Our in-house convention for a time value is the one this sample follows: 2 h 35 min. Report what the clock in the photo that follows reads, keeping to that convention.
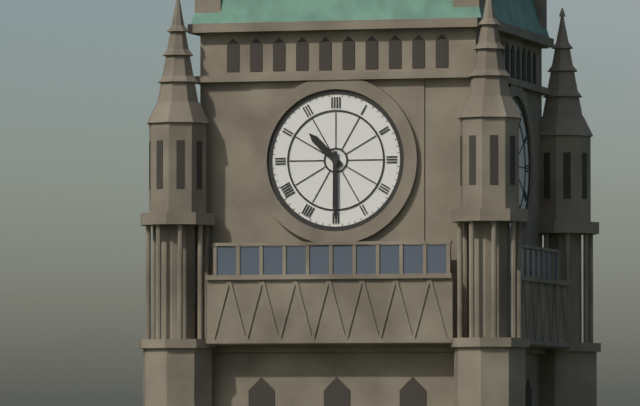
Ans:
10 h 30 min
